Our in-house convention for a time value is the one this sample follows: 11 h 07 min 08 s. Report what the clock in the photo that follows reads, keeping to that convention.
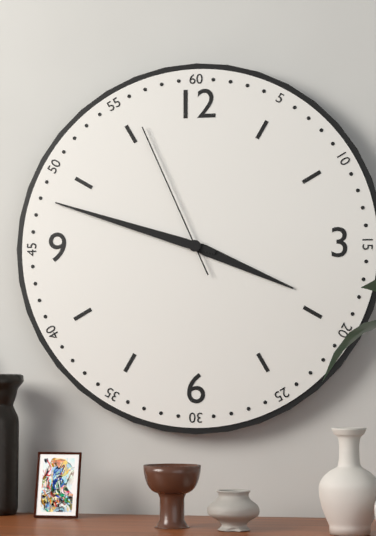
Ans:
3 h 48 min 56 s
